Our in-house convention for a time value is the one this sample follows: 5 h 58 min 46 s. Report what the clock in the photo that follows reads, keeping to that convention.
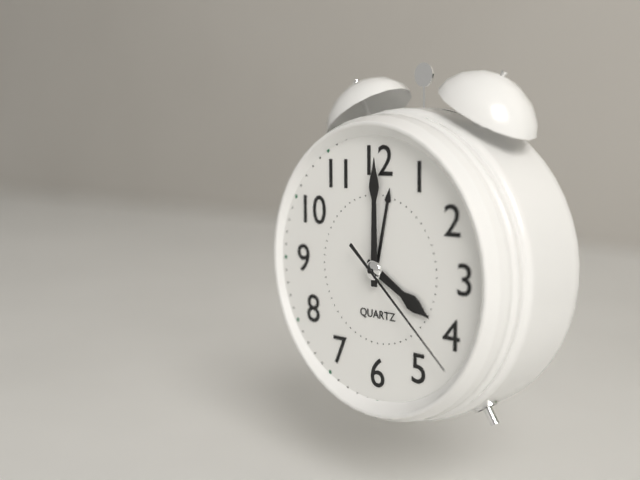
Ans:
4 h 00 min 22 s
